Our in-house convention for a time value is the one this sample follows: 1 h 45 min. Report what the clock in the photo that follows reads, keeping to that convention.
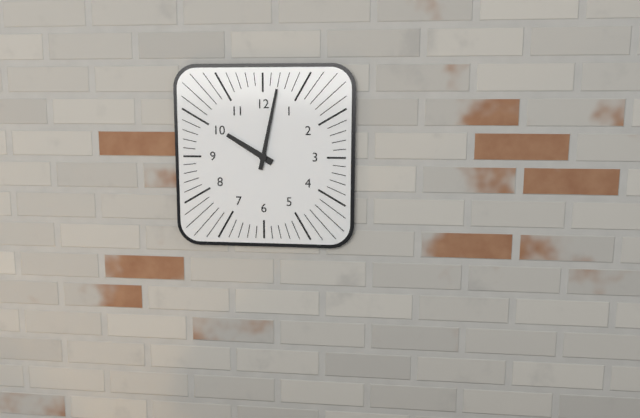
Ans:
10 h 02 min
